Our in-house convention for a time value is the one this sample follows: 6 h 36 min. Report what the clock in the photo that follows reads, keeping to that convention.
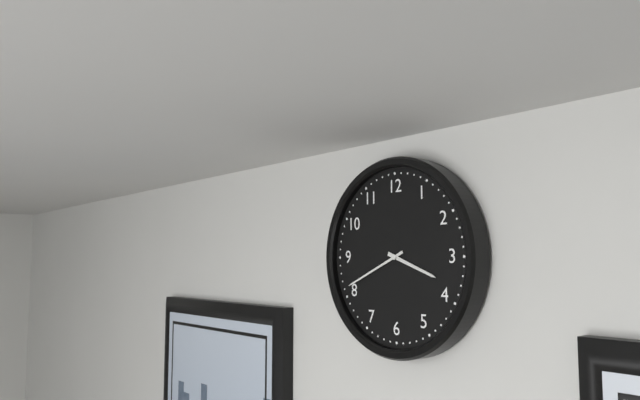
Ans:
3 h 41 min
